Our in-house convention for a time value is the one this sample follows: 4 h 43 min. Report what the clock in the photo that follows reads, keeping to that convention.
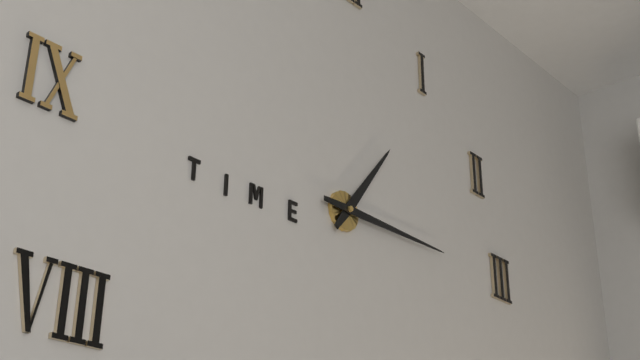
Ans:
1 h 15 min
